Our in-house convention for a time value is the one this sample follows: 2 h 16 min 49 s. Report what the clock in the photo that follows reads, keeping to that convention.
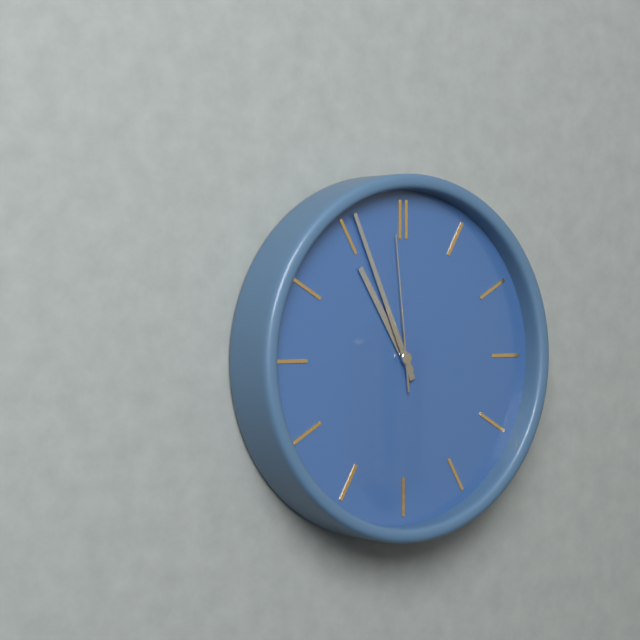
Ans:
10 h 56 min 59 s
